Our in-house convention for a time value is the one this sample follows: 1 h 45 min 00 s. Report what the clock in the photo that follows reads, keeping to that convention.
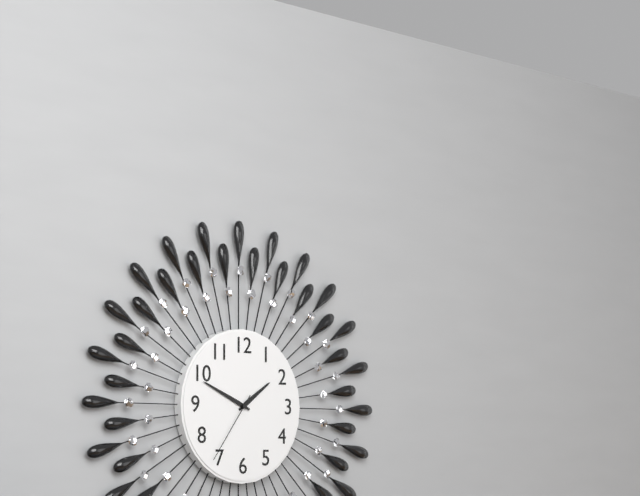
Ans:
1 h 49 min 36 s
